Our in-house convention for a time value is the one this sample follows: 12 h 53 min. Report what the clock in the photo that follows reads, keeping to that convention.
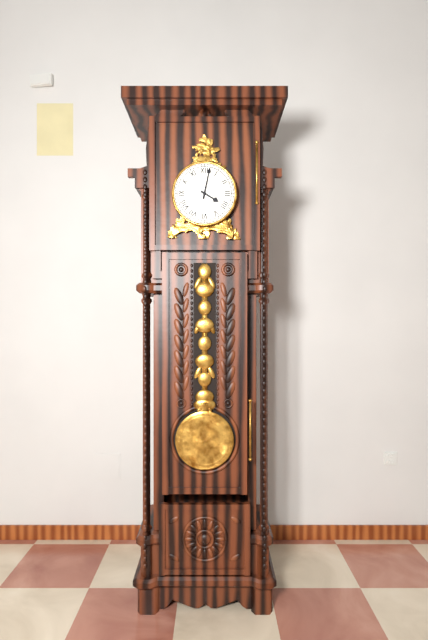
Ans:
4 h 02 min
